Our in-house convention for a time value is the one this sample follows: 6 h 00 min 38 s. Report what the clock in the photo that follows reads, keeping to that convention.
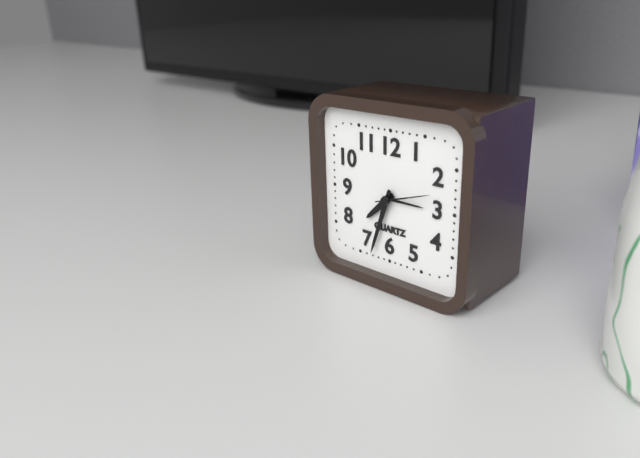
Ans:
7 h 33 min 12 s
